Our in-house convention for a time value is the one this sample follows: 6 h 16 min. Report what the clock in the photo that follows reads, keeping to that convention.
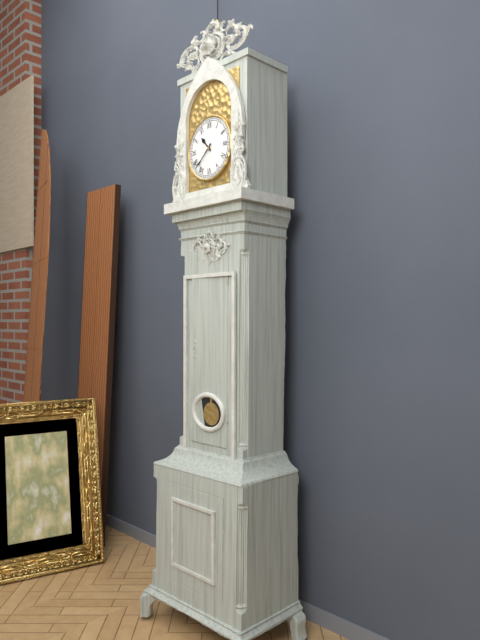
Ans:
10 h 38 min
